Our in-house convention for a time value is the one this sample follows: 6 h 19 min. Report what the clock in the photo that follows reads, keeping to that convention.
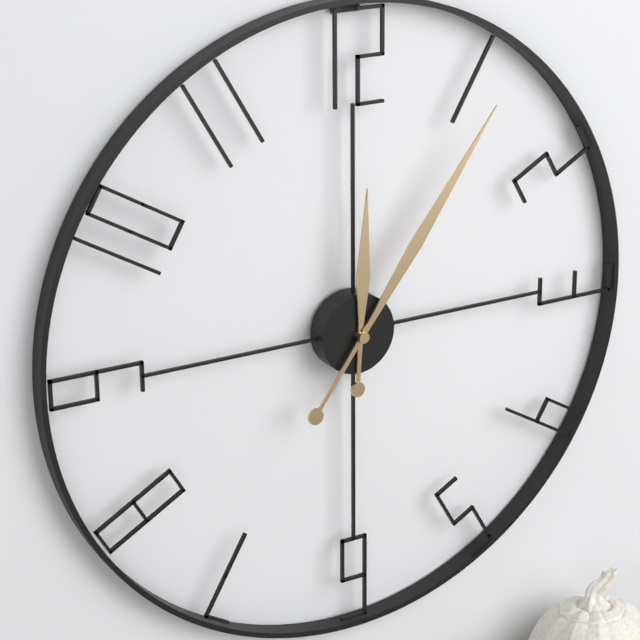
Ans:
12 h 06 min
